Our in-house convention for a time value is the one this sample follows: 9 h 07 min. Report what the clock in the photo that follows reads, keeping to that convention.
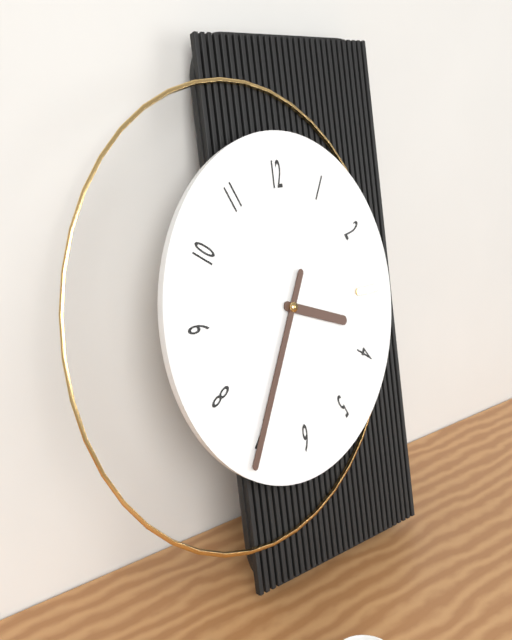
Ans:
3 h 35 min
